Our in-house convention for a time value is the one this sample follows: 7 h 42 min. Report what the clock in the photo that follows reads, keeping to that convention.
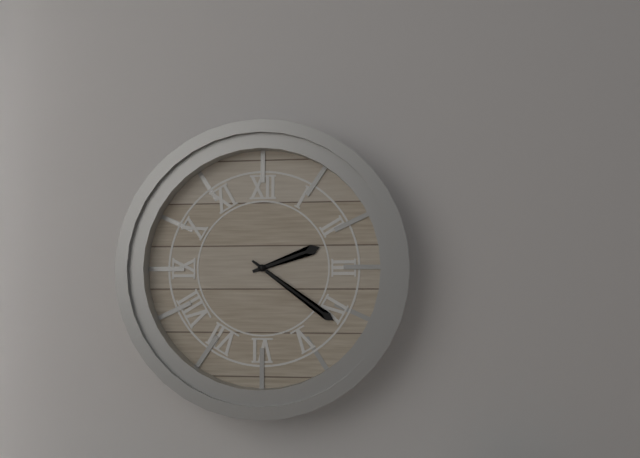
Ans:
2 h 21 min
